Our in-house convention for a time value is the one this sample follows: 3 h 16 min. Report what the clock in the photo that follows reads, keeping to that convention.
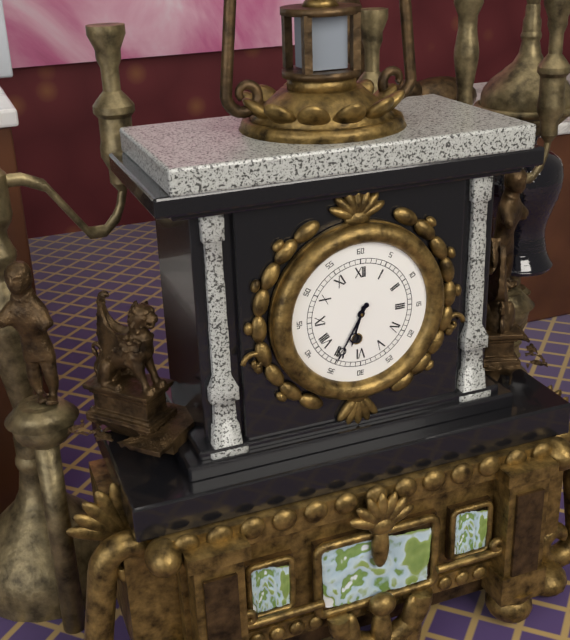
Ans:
6 h 35 min
